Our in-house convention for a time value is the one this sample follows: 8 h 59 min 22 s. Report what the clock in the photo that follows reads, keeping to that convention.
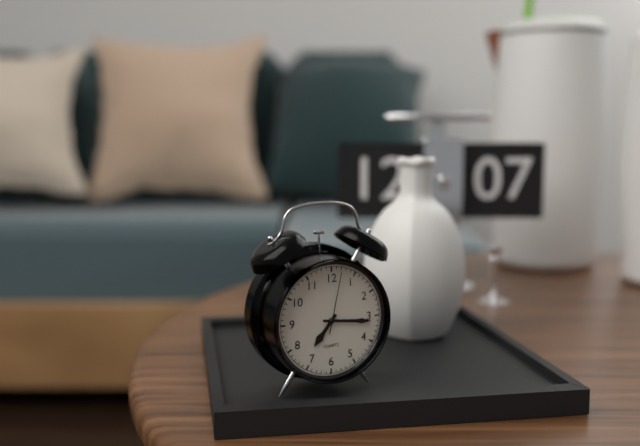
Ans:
7 h 16 min 02 s
